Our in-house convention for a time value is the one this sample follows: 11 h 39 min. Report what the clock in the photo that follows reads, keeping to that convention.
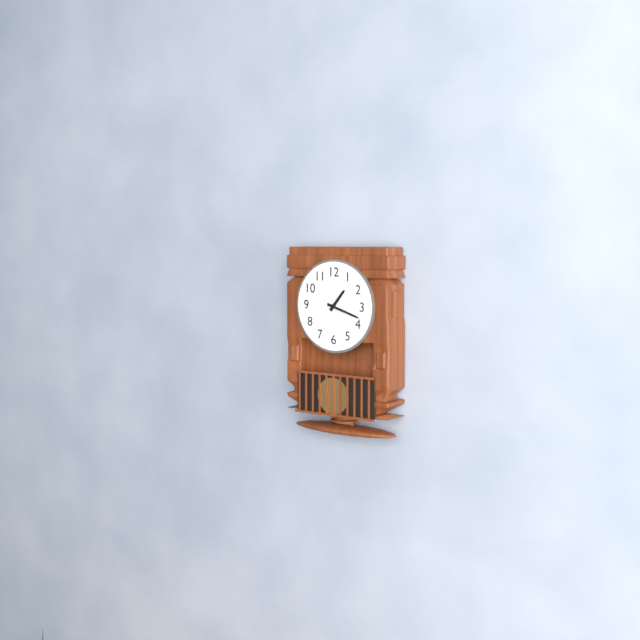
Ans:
1 h 18 min
